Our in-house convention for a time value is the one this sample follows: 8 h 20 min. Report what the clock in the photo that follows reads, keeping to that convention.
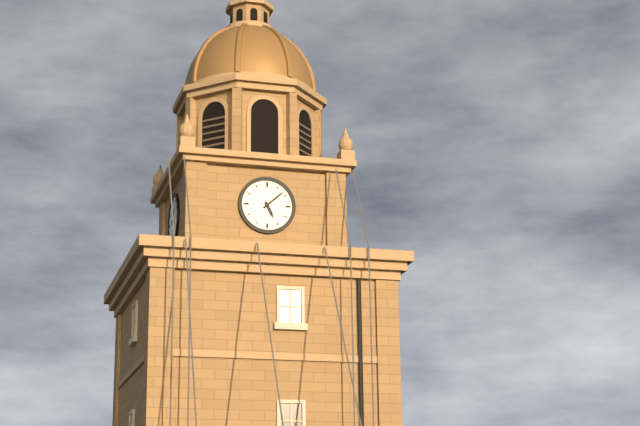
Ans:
5 h 08 min
